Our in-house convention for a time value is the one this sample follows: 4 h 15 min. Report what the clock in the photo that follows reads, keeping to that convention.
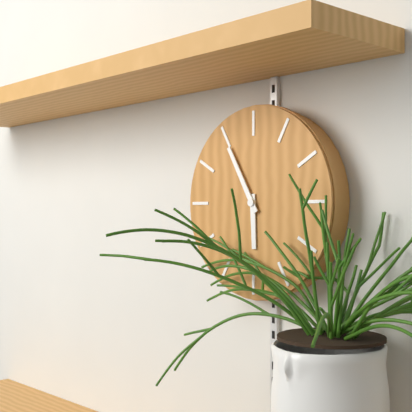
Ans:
5 h 55 min
